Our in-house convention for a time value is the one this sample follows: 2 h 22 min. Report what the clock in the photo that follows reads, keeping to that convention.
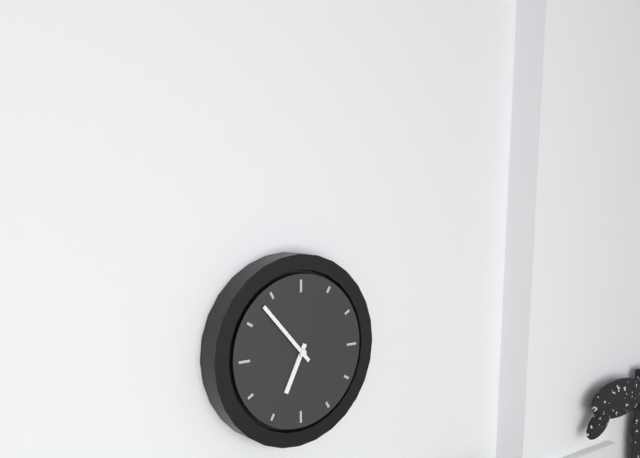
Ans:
6 h 53 min
